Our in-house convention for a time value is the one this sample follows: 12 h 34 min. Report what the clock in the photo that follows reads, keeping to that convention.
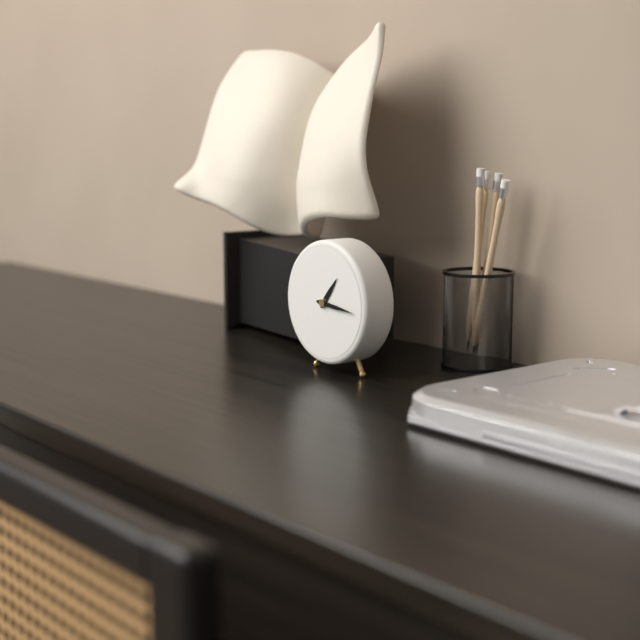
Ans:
1 h 16 min
